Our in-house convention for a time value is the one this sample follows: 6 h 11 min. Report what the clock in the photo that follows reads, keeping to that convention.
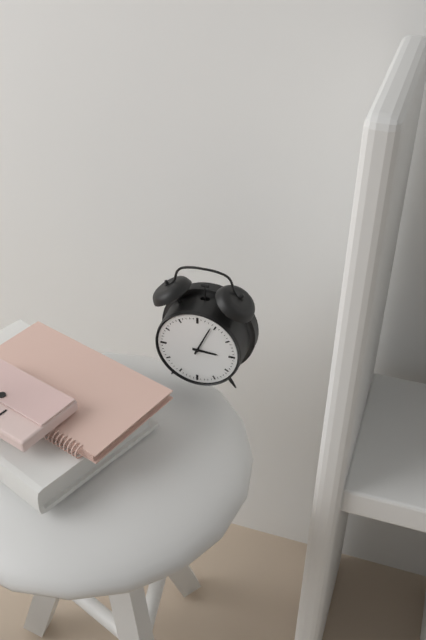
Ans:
3 h 04 min
